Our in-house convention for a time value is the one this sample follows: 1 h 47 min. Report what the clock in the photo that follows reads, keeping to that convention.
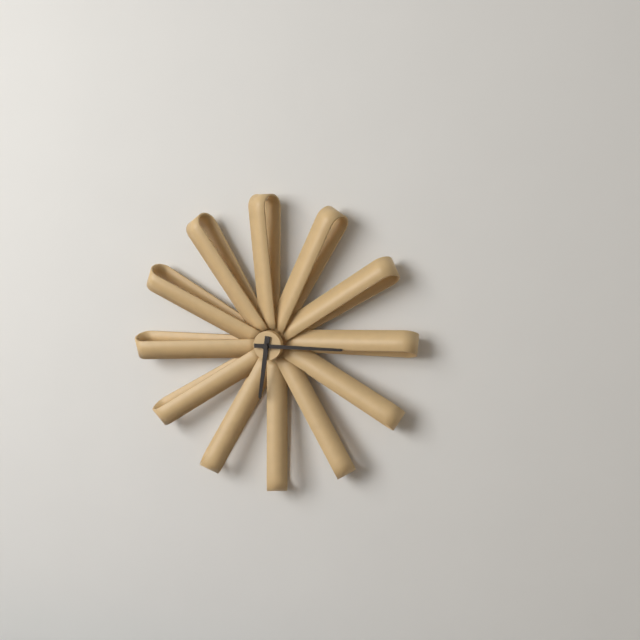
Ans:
6 h 15 min
